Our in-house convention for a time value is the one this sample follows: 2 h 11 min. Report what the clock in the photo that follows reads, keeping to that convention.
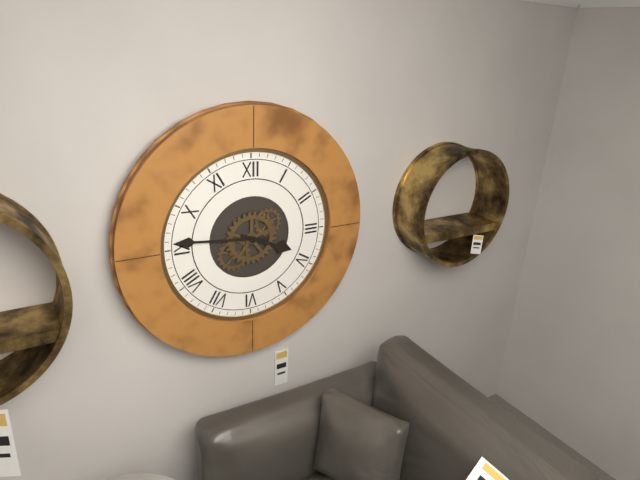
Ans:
3 h 46 min
